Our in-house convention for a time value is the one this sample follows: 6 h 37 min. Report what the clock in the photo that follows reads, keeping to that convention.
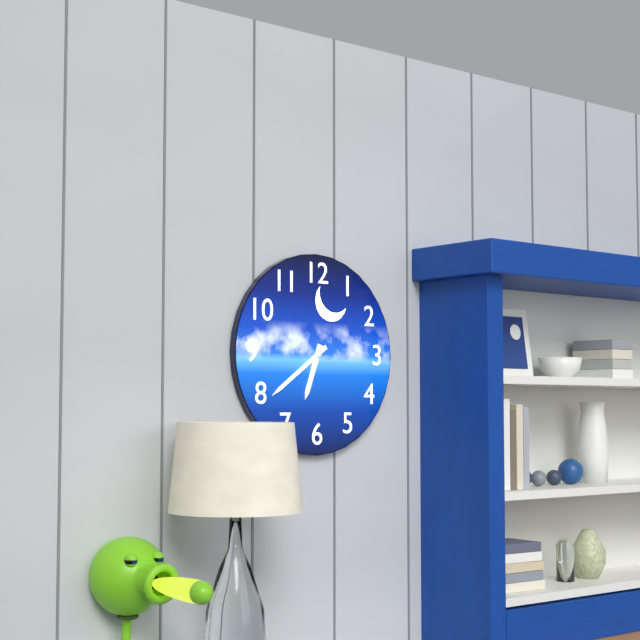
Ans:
6 h 39 min
